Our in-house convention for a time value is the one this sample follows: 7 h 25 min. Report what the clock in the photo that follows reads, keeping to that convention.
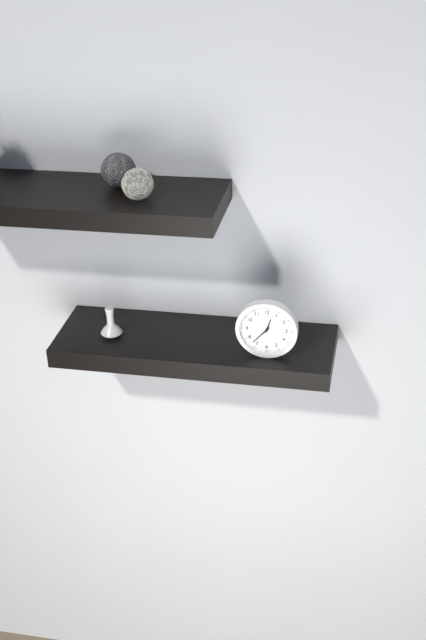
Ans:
12 h 37 min
